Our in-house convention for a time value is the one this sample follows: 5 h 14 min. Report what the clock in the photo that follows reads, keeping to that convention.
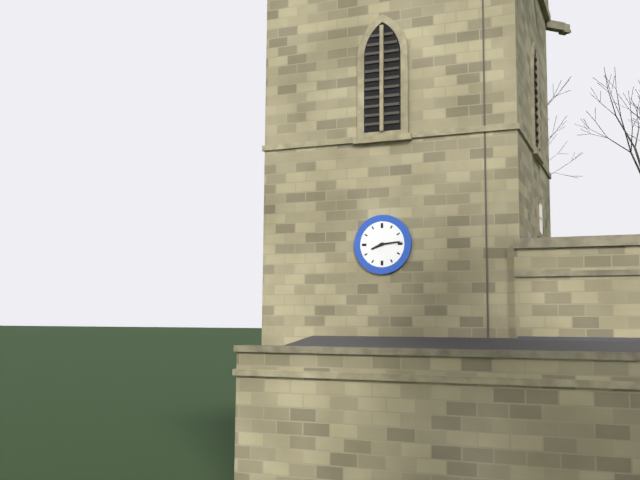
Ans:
8 h 14 min
